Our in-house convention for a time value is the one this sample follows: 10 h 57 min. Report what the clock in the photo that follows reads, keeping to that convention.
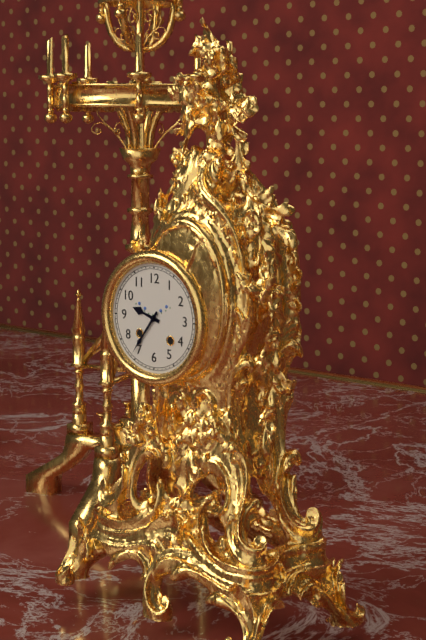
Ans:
9 h 36 min
